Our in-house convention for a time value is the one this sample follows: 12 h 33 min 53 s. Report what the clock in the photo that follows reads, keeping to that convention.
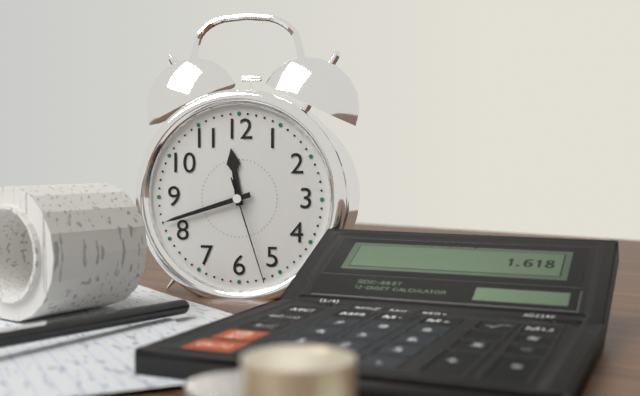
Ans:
11 h 42 min 27 s
